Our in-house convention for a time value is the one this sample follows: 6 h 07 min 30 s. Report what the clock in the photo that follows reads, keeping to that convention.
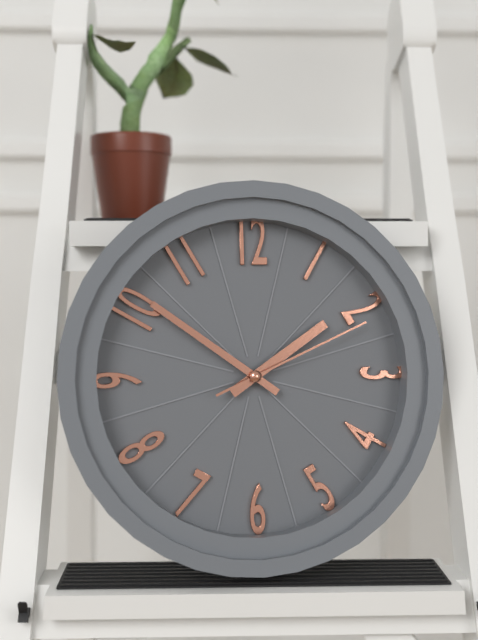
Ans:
1 h 51 min 11 s
